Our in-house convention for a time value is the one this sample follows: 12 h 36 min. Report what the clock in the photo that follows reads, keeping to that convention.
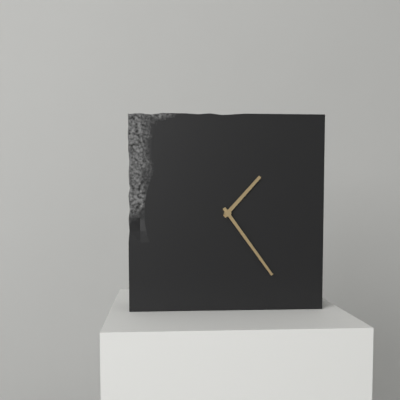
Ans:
1 h 24 min
